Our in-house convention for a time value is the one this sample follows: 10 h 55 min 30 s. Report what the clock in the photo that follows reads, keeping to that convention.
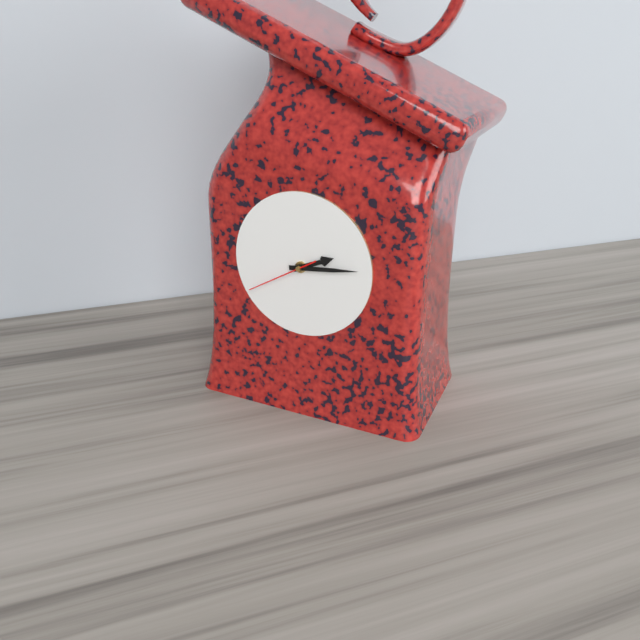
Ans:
2 h 14 min 40 s
